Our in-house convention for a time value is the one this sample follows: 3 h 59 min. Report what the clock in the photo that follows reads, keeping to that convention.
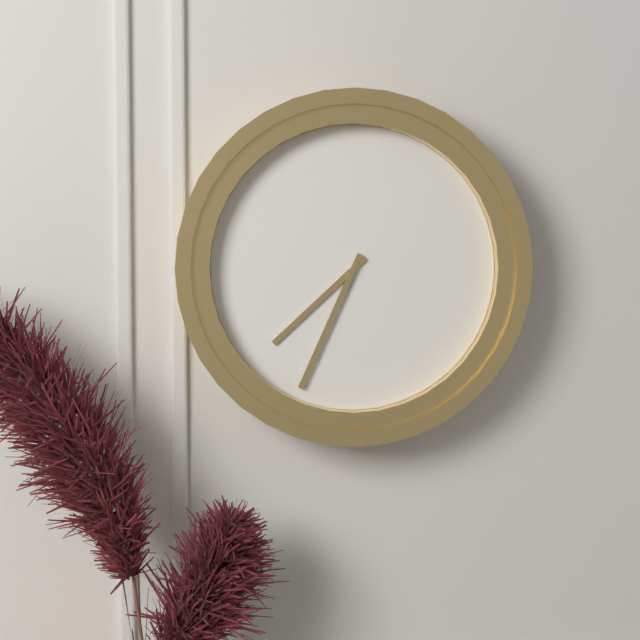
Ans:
7 h 34 min
